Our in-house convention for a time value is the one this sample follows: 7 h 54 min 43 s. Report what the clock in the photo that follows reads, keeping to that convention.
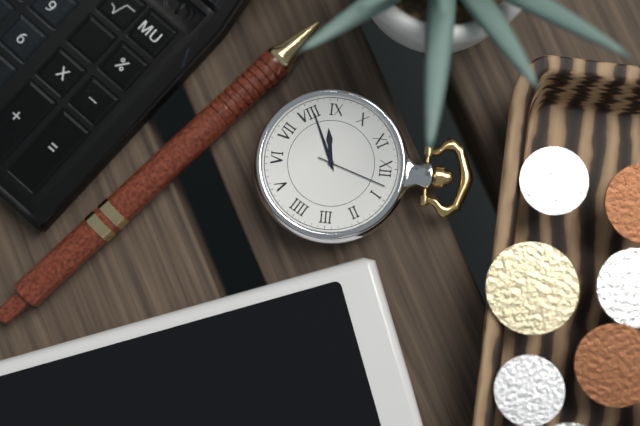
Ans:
8 h 41 min 03 s
